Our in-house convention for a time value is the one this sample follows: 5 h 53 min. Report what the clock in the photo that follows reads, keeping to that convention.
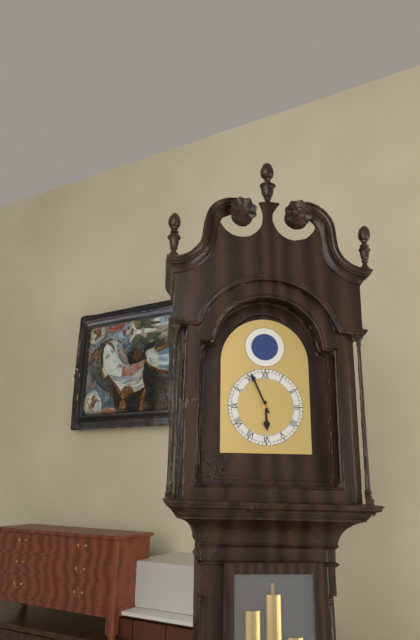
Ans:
5 h 56 min
